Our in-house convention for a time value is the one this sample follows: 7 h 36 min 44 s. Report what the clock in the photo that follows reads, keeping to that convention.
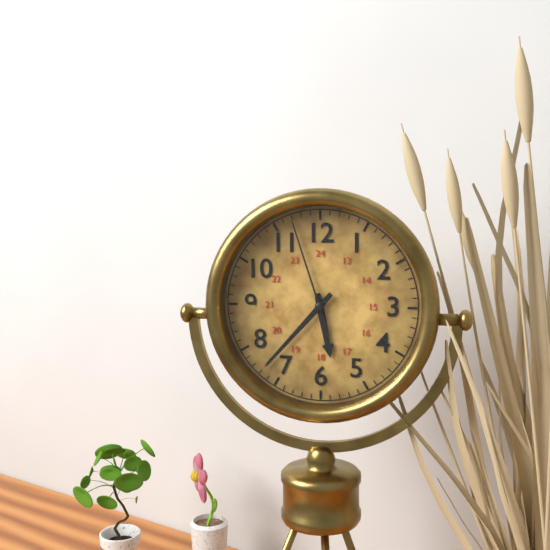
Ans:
5 h 37 min 57 s
